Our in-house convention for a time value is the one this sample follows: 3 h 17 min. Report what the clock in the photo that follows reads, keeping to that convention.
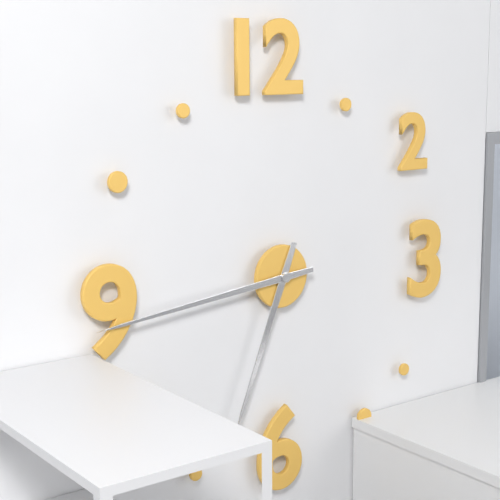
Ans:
6 h 44 min
